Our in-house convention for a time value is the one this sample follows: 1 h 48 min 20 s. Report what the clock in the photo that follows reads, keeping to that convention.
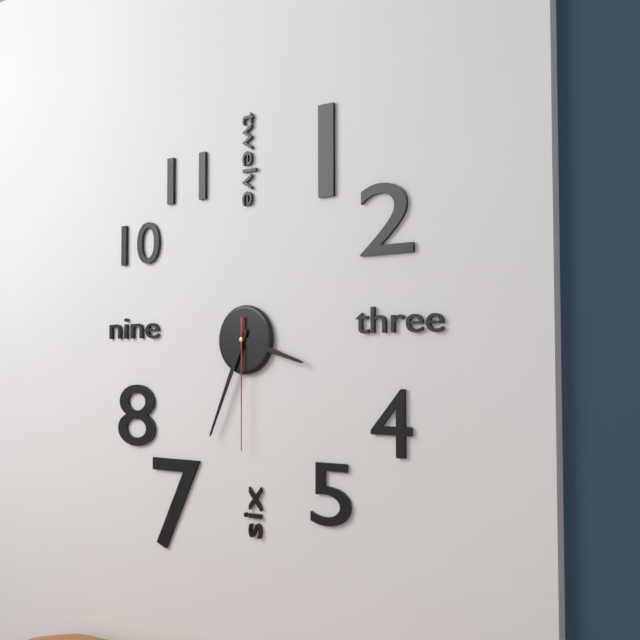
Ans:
3 h 34 min 30 s
